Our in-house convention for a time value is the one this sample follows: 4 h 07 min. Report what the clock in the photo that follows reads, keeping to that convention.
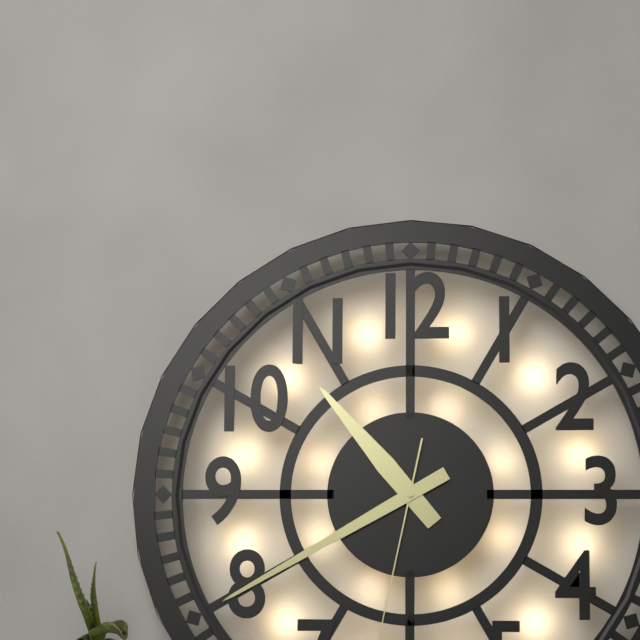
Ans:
10 h 40 min
